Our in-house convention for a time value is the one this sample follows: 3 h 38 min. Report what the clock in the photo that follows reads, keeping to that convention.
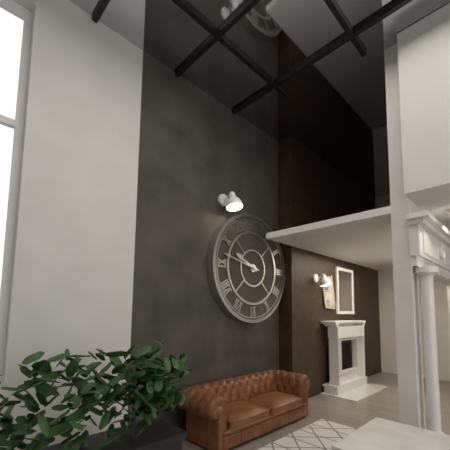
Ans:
9 h 47 min
